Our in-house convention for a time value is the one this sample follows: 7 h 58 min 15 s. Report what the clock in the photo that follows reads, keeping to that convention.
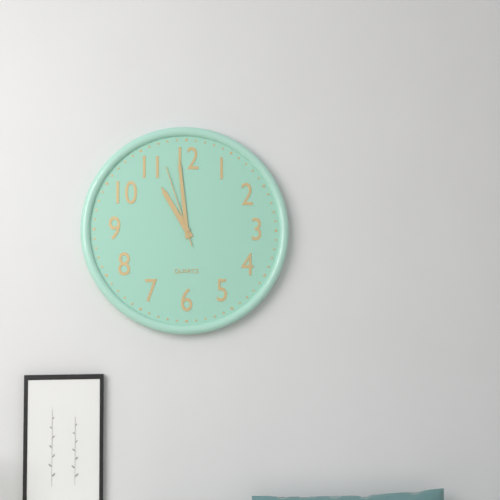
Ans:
10 h 59 min 57 s
